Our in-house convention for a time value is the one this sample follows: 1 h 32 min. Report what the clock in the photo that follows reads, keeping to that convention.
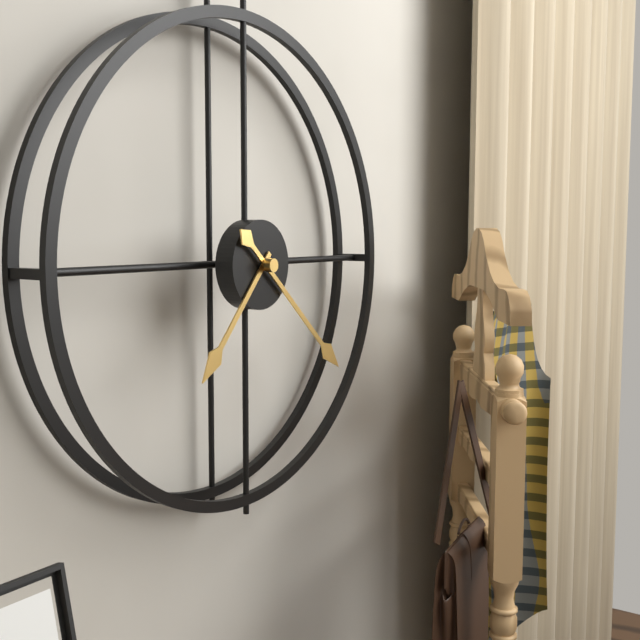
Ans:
7 h 22 min
